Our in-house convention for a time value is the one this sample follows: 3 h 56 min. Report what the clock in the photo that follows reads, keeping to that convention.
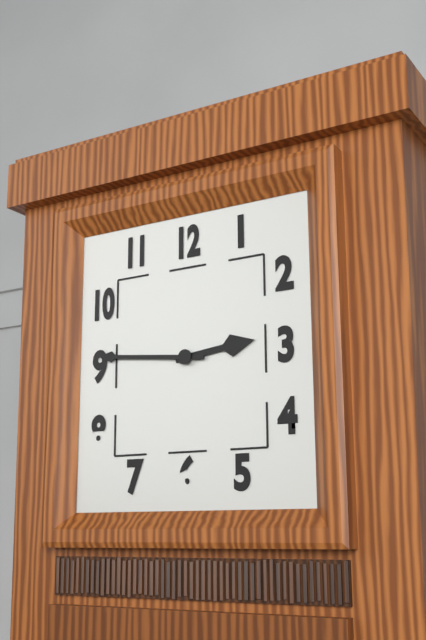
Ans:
2 h 46 min
